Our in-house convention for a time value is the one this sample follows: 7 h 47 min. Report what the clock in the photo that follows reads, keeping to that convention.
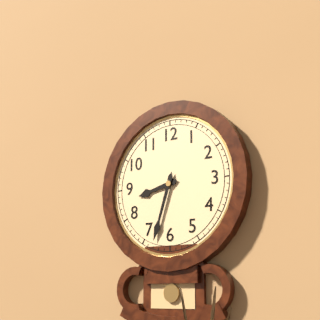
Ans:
8 h 33 min
